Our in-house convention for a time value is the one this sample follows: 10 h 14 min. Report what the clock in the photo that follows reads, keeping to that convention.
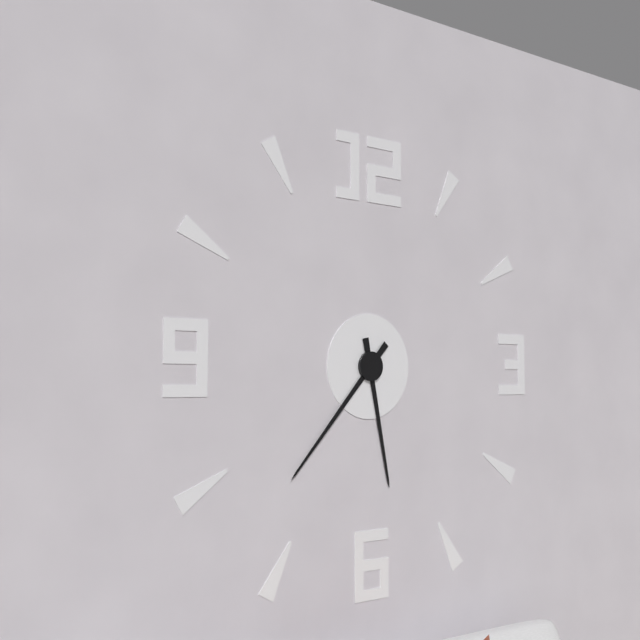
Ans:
5 h 37 min
